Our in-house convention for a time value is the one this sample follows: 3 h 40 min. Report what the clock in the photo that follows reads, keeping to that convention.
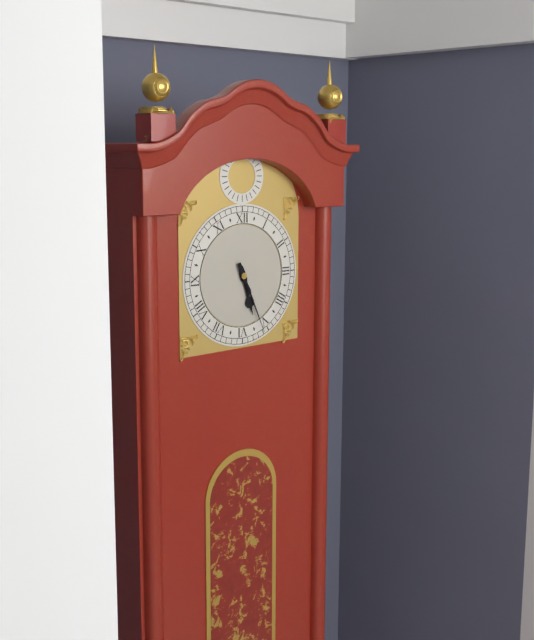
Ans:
5 h 26 min
